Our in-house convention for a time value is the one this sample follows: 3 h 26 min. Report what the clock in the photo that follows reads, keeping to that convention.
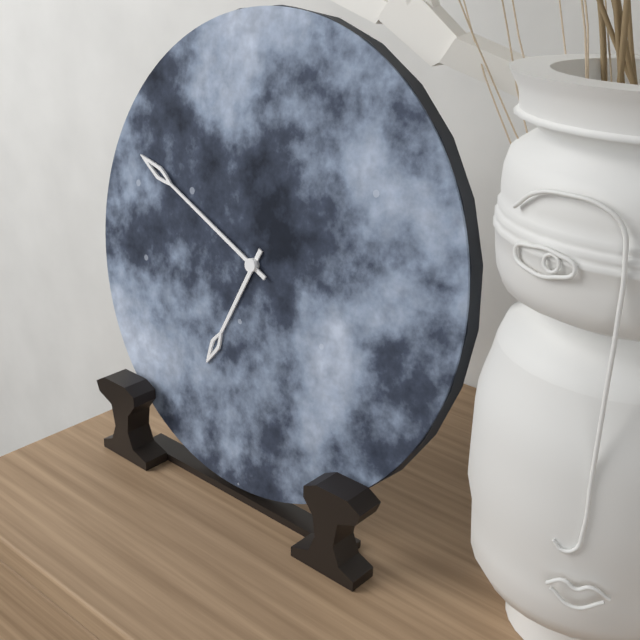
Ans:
6 h 49 min
